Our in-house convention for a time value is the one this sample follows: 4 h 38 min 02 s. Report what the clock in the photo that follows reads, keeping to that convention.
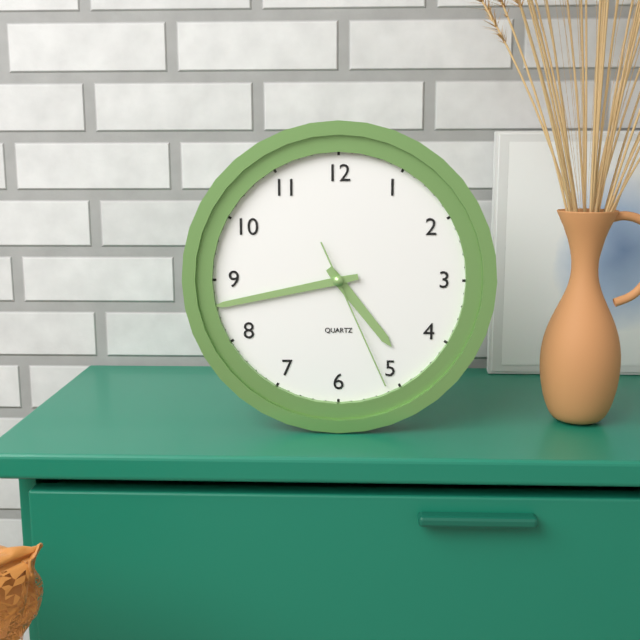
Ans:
4 h 43 min 26 s
